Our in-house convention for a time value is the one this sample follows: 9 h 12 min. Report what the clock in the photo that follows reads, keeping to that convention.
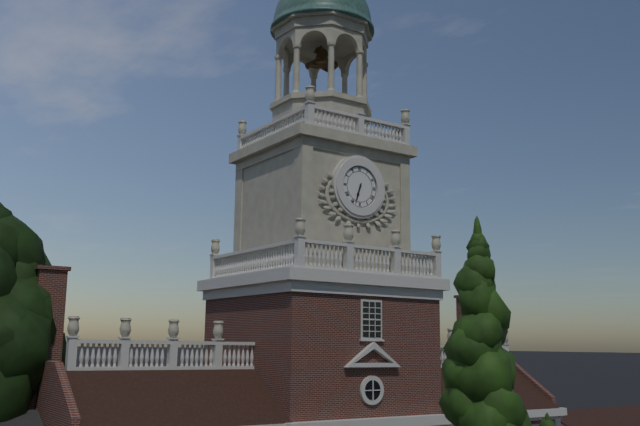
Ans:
6 h 33 min
